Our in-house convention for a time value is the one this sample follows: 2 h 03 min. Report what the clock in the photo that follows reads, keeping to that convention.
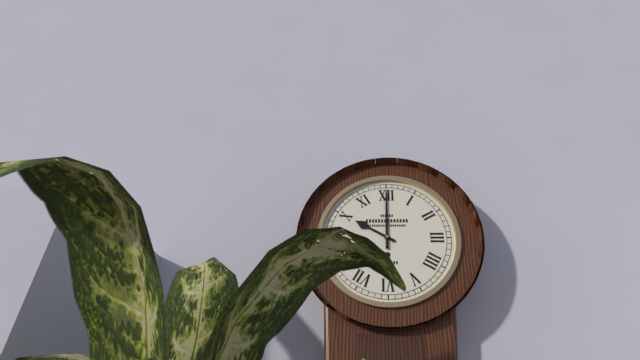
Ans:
10 h 00 min
